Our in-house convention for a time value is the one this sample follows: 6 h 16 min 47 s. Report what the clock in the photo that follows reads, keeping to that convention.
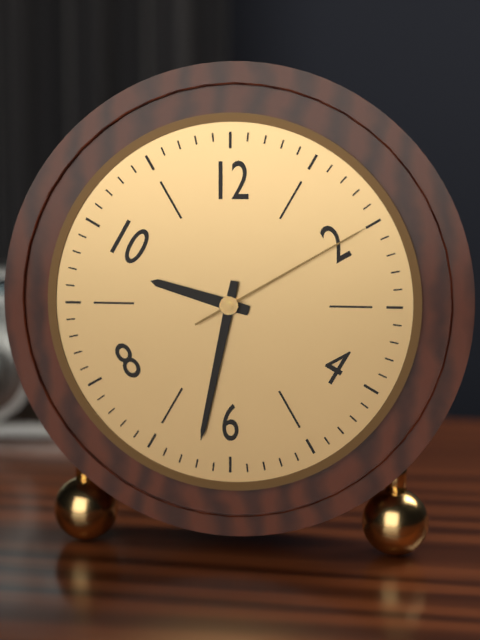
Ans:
9 h 32 min 10 s
